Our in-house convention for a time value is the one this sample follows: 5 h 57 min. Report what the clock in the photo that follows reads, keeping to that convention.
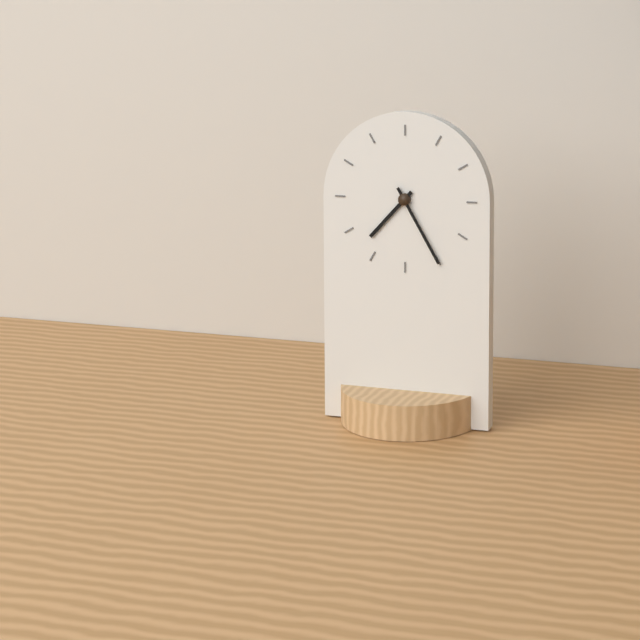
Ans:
7 h 25 min
